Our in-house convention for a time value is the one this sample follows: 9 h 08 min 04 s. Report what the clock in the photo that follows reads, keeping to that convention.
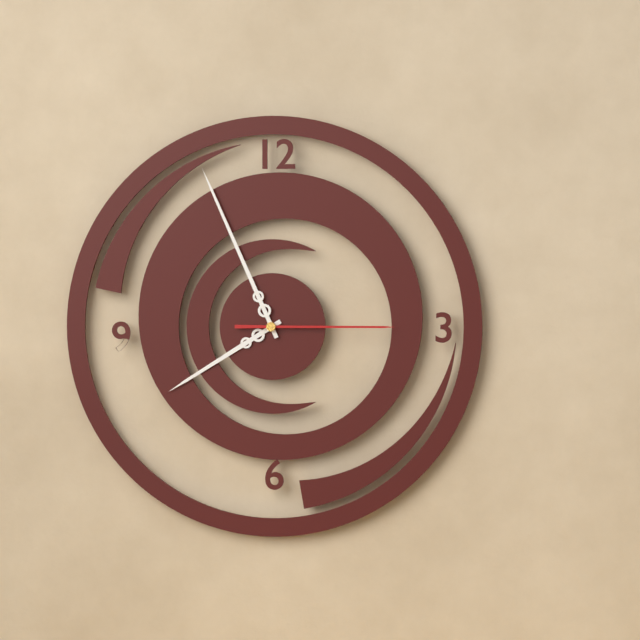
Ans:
7 h 56 min 15 s
